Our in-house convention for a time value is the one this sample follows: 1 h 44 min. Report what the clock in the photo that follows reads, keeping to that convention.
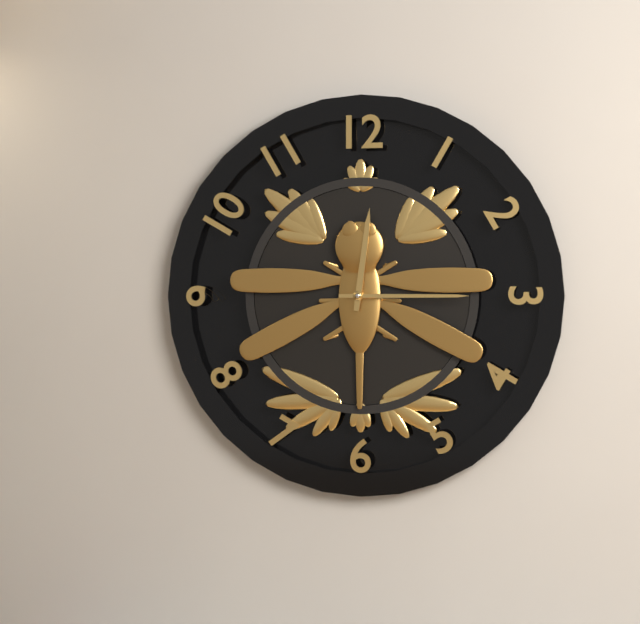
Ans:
12 h 15 min
